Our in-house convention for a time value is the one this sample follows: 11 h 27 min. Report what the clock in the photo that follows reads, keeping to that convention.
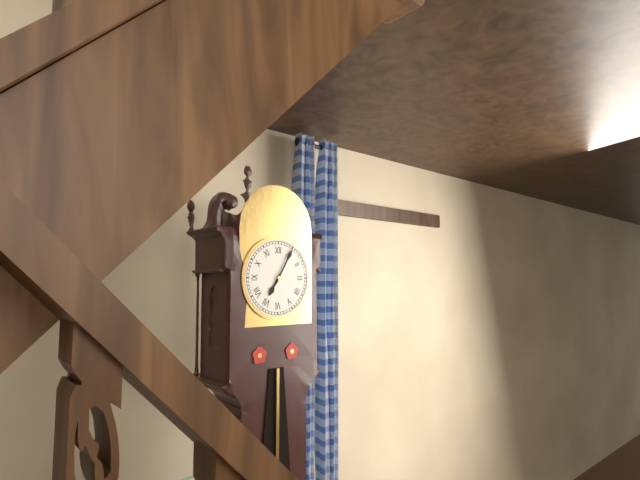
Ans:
7 h 05 min
